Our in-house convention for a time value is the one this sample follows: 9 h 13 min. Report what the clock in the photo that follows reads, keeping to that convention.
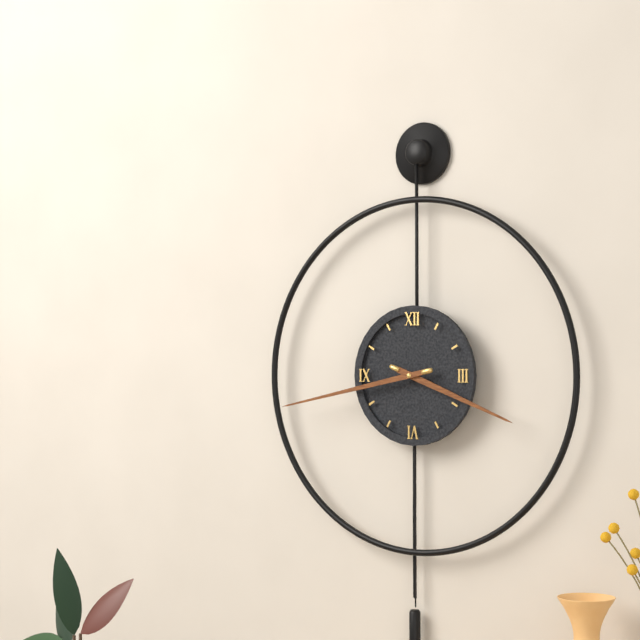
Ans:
3 h 43 min
